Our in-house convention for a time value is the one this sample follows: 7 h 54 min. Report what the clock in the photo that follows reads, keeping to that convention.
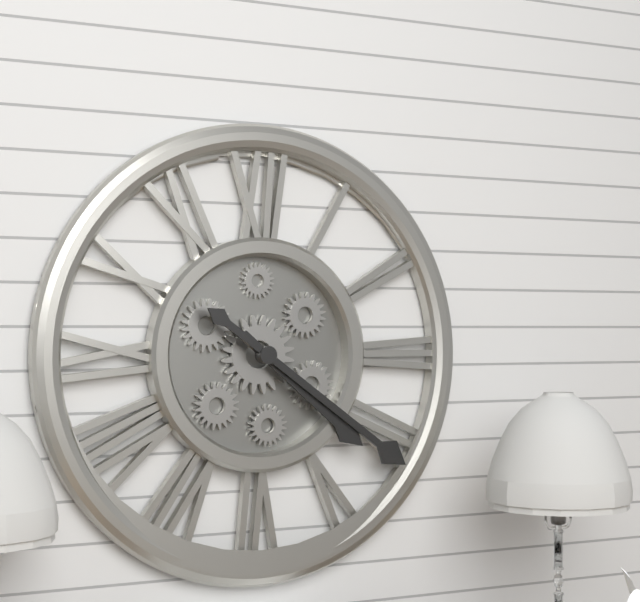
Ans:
4 h 21 min
